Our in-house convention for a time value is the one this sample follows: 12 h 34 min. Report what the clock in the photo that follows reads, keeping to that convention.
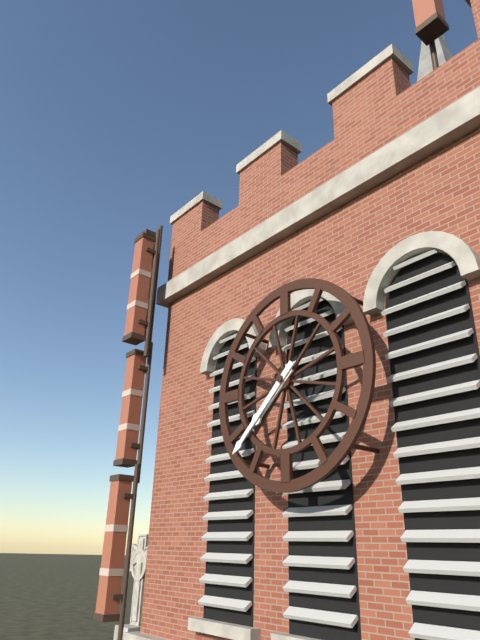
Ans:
7 h 38 min
